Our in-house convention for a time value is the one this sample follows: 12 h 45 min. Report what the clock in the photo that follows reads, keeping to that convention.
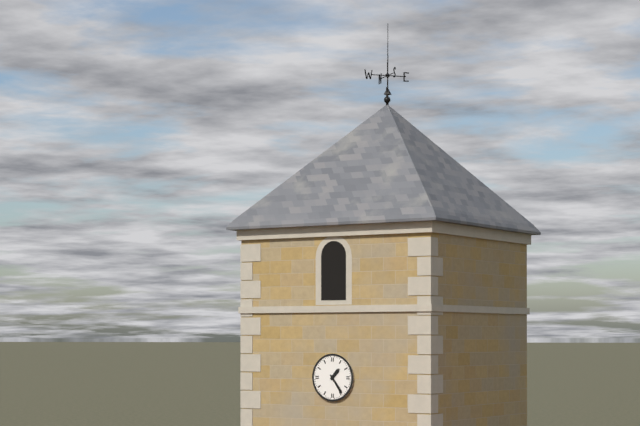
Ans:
1 h 24 min
